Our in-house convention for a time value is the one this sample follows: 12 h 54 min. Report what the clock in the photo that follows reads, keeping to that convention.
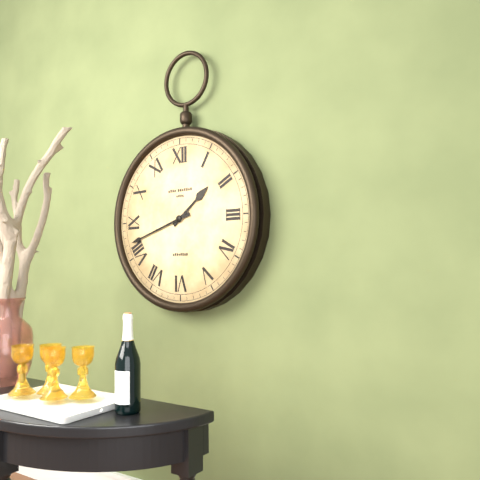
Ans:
1 h 42 min
